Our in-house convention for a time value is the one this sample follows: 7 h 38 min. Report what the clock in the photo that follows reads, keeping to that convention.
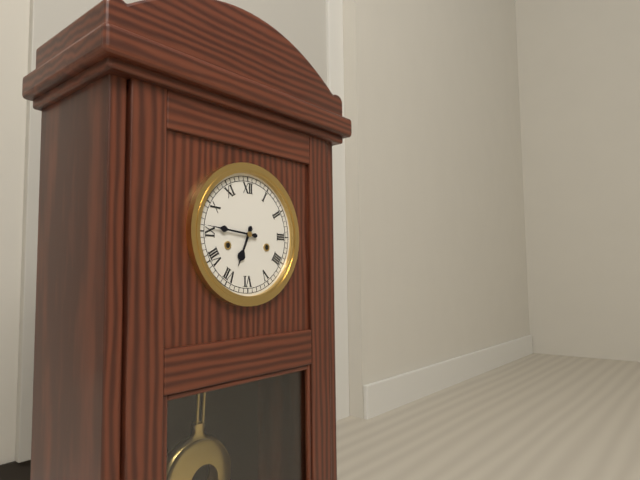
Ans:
6 h 46 min
